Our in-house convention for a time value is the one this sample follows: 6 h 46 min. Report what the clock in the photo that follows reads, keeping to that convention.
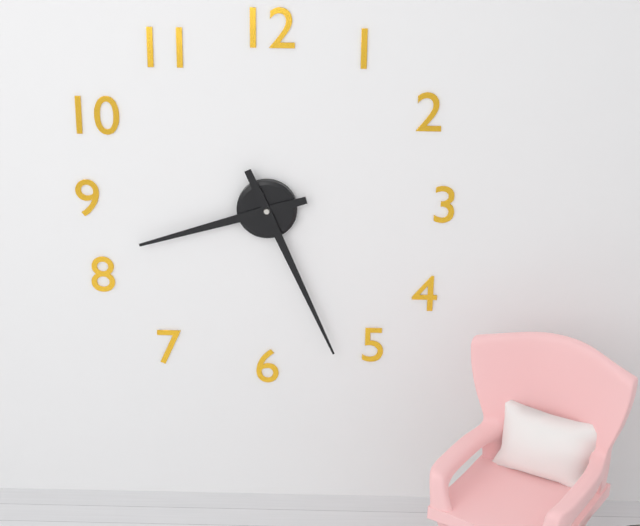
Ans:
8 h 26 min
